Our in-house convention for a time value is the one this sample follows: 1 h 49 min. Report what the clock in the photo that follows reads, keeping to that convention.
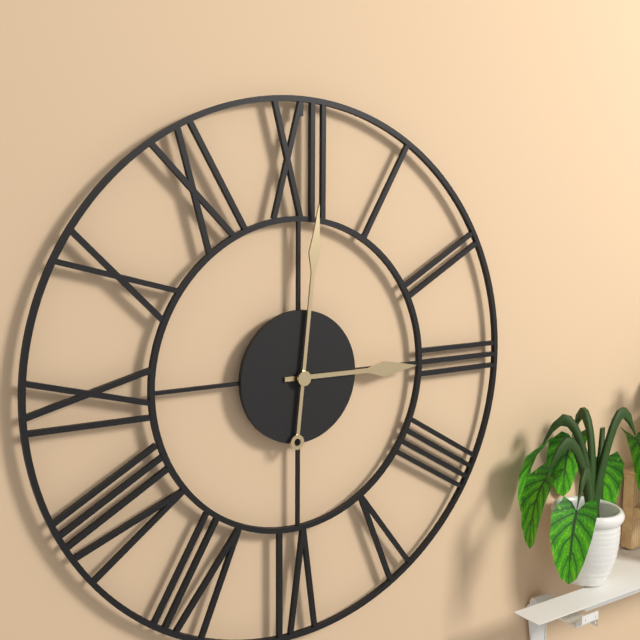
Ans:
3 h 01 min
